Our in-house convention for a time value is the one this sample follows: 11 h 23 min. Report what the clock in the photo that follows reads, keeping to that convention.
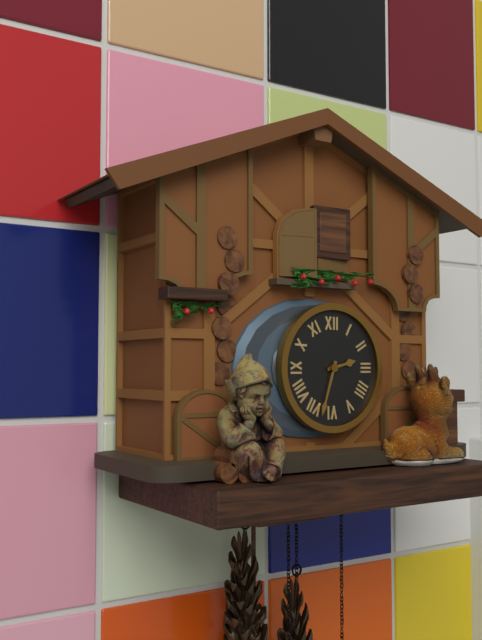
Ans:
2 h 33 min
